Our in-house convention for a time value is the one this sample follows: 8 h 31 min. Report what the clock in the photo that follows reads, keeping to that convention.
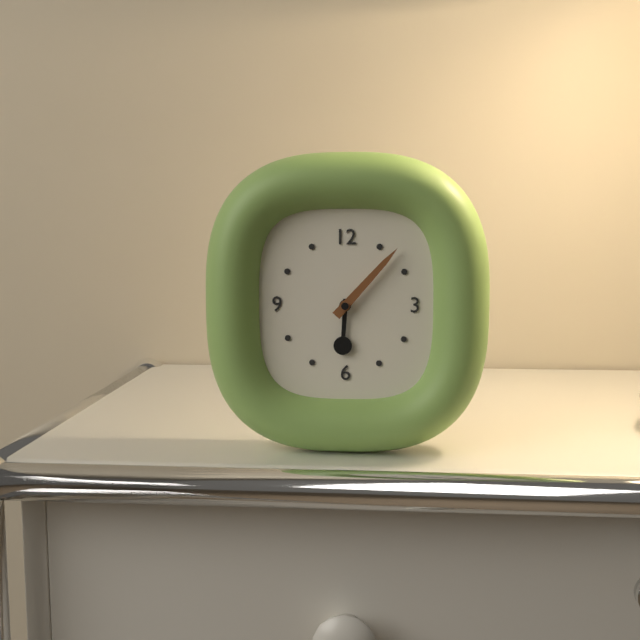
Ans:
6 h 07 min
